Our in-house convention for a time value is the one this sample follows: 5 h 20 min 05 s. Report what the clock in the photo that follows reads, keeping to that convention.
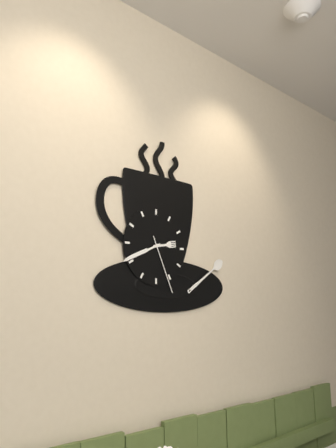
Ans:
2 h 41 min 26 s
